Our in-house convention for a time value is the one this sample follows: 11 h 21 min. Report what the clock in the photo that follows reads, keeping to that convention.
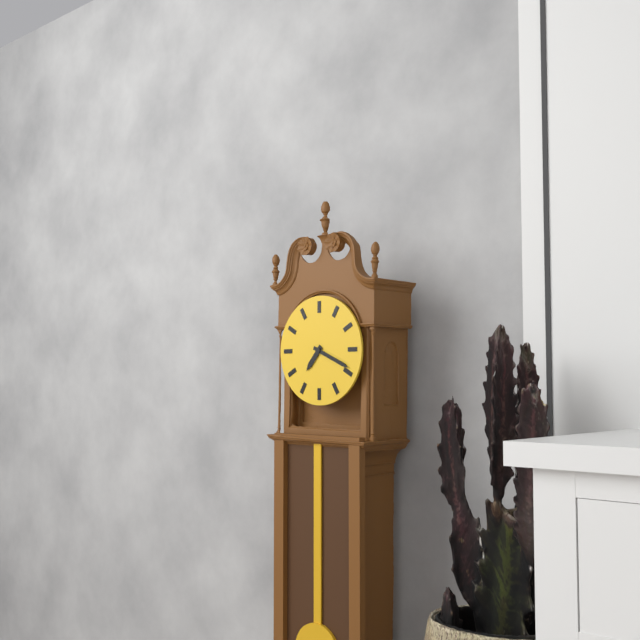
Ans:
7 h 19 min
